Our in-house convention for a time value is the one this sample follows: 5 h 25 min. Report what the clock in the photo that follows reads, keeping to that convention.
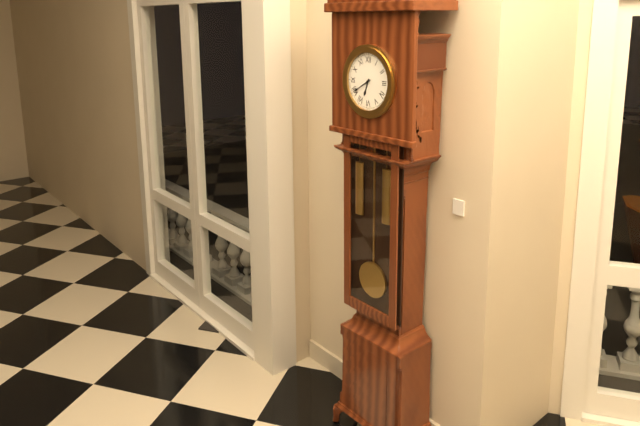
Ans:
6 h 40 min
